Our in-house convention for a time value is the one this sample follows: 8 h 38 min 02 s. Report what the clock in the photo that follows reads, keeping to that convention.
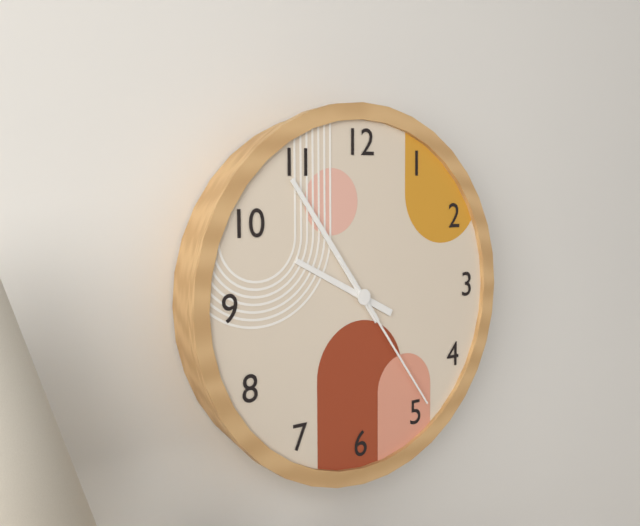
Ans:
9 h 54 min 24 s
